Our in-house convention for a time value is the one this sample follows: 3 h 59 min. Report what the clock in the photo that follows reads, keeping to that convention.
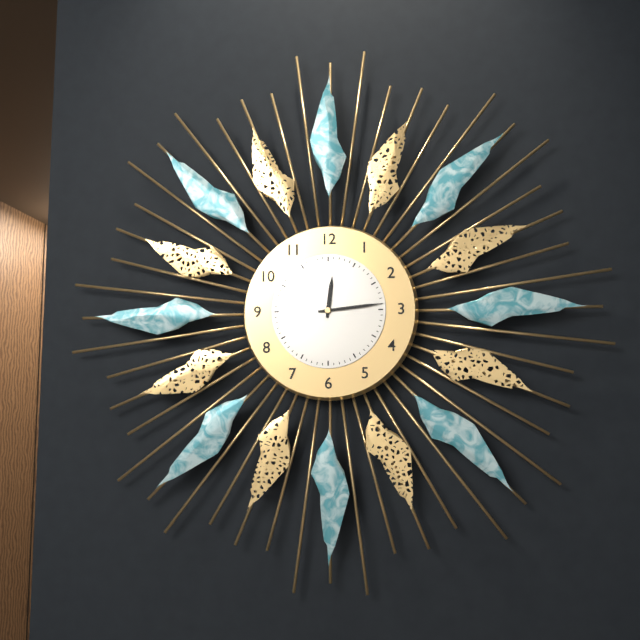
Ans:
12 h 14 min
